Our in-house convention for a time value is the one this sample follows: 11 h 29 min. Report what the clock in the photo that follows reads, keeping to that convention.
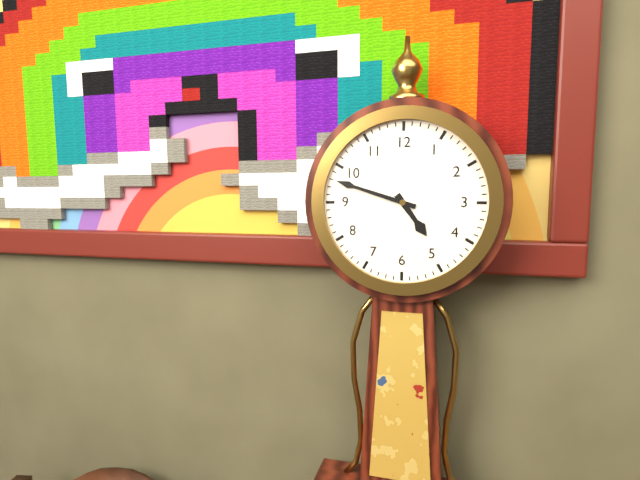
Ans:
4 h 48 min
